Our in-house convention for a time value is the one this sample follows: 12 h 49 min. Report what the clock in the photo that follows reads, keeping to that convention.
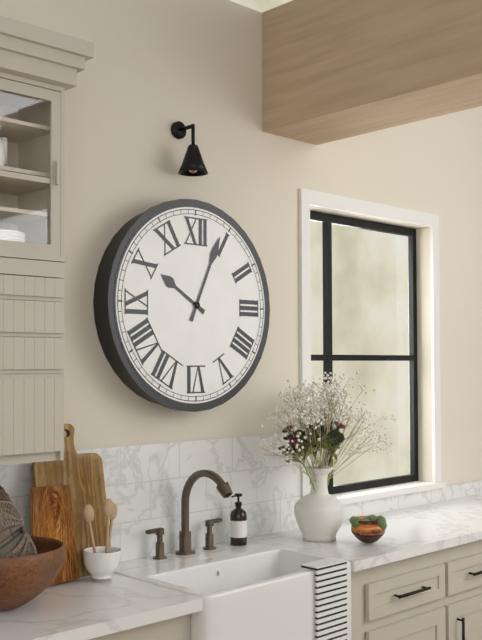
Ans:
10 h 04 min
